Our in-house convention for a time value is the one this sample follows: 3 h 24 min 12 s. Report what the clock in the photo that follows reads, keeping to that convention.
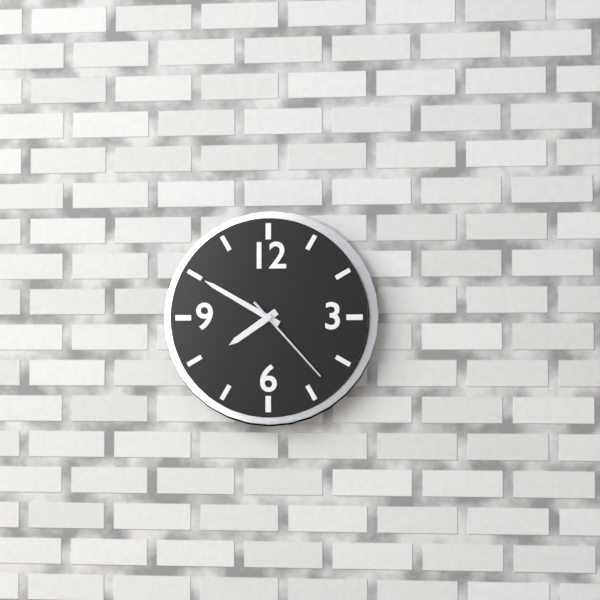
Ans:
7 h 50 min 23 s
